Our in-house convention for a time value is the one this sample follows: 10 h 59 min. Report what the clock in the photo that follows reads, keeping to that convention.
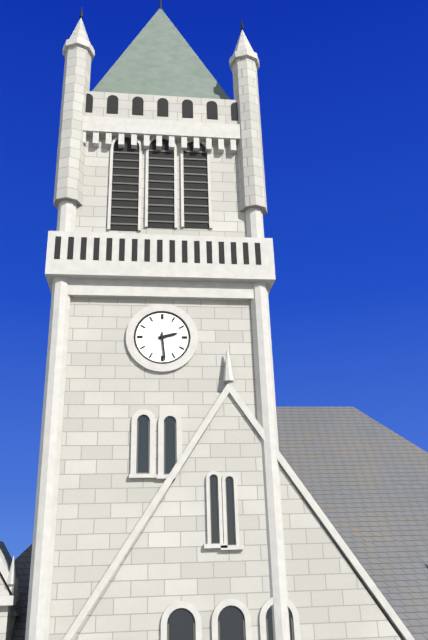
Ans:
2 h 29 min
